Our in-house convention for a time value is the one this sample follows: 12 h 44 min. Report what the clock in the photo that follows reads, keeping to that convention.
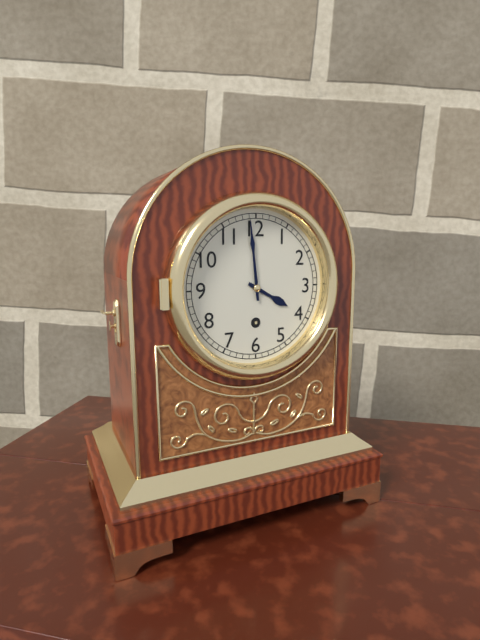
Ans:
3 h 59 min
